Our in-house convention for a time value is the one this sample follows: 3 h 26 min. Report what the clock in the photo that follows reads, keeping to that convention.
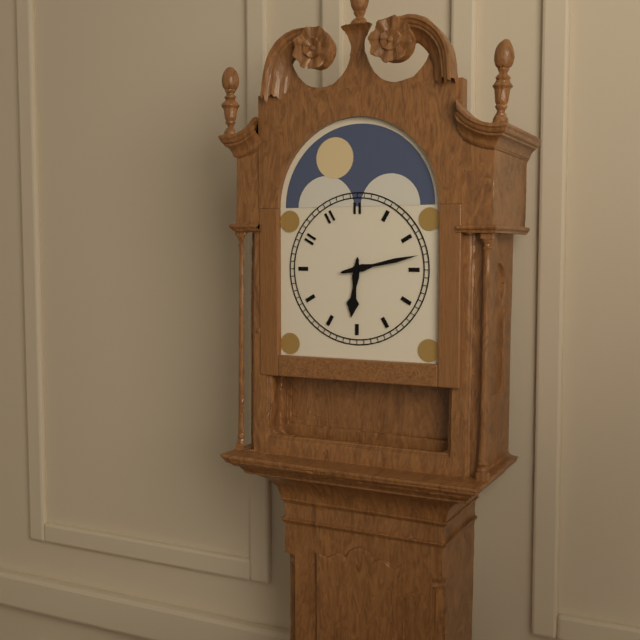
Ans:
6 h 13 min
